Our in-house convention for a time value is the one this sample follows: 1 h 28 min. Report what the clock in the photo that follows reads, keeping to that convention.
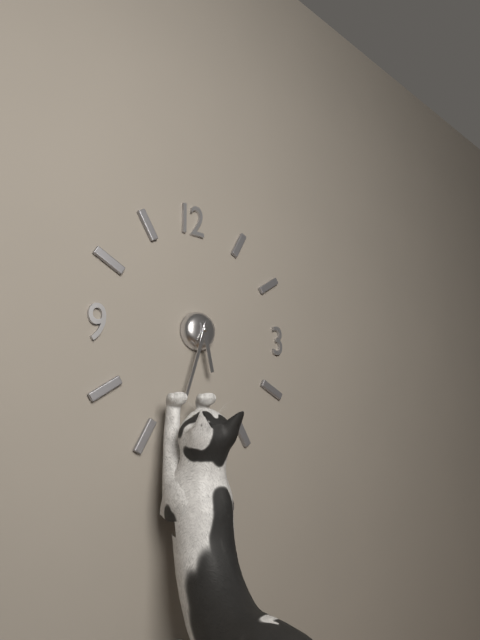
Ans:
5 h 33 min
